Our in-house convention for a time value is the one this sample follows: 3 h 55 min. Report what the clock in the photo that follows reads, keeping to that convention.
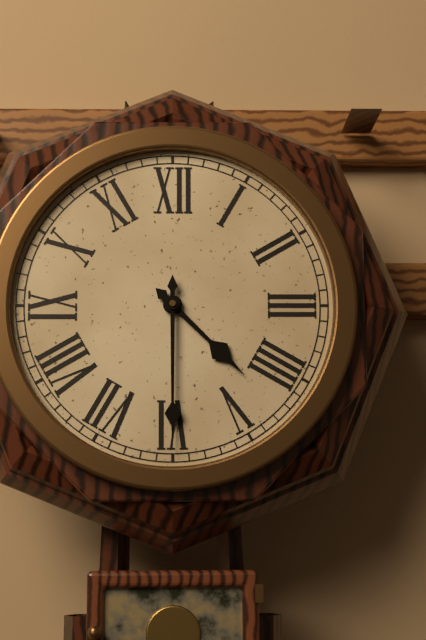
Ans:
4 h 30 min
